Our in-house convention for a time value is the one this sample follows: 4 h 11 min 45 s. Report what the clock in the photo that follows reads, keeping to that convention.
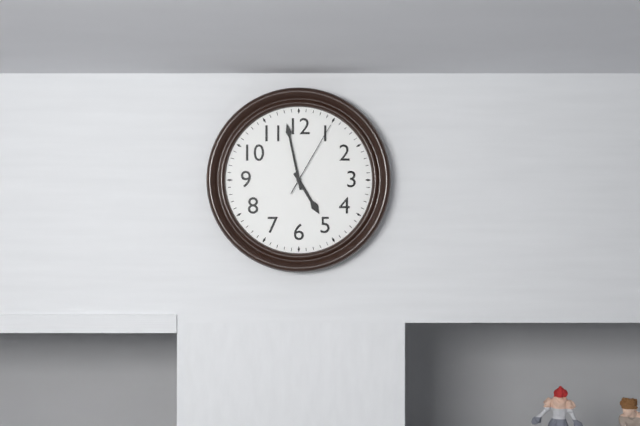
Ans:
4 h 58 min 05 s
